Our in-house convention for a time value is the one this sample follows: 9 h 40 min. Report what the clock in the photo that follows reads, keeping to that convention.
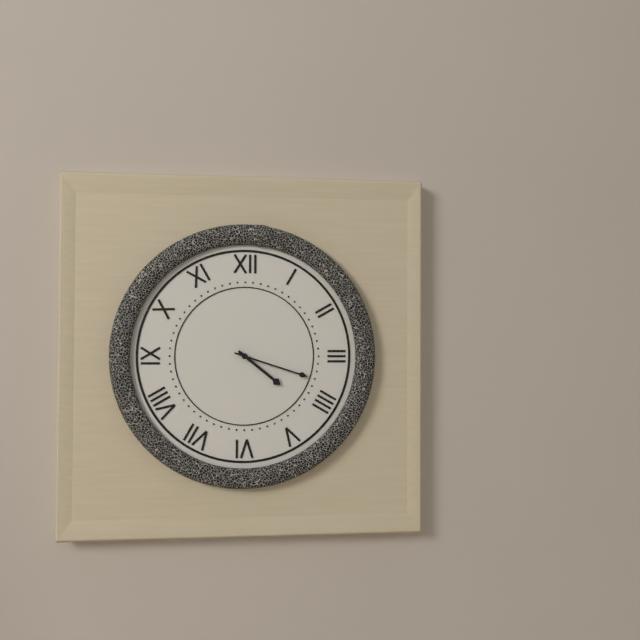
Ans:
4 h 18 min
